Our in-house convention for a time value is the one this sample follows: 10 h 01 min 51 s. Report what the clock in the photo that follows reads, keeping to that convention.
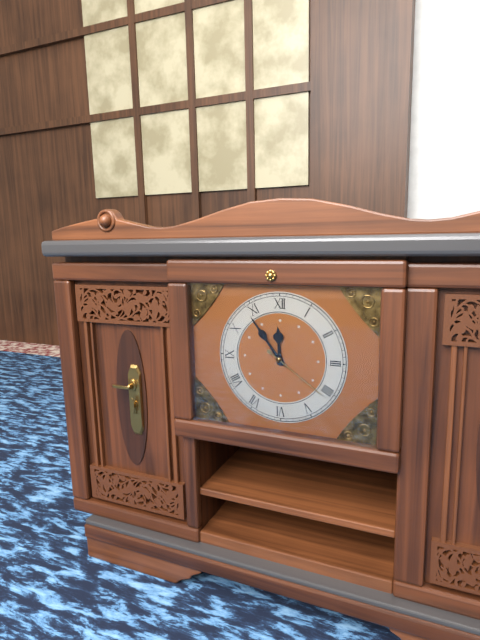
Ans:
11 h 54 min 21 s
